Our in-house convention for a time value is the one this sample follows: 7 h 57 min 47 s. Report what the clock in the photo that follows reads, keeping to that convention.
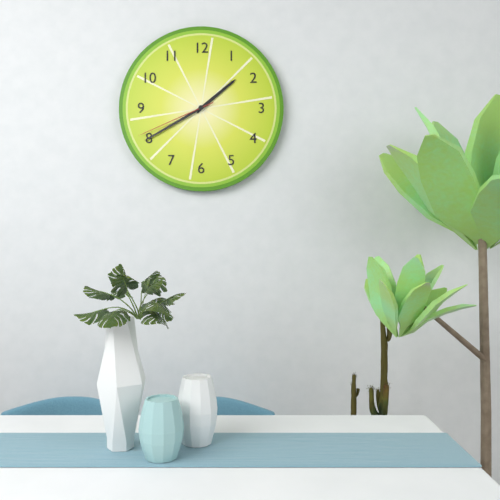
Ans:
1 h 40 min 41 s
